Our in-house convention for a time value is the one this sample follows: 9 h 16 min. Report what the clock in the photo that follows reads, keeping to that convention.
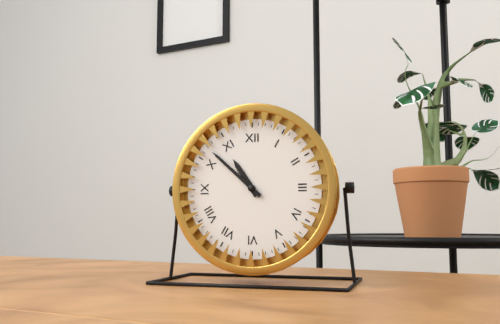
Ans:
10 h 52 min
